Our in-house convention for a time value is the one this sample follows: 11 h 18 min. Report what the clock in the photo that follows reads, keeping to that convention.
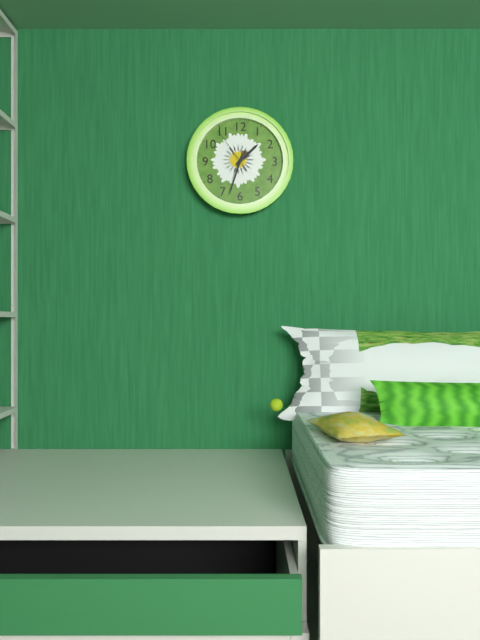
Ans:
1 h 33 min
